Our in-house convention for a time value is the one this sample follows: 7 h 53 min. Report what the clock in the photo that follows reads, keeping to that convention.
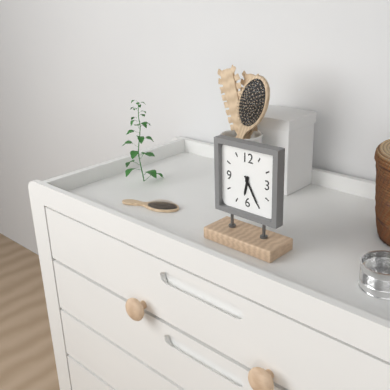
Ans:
6 h 25 min
